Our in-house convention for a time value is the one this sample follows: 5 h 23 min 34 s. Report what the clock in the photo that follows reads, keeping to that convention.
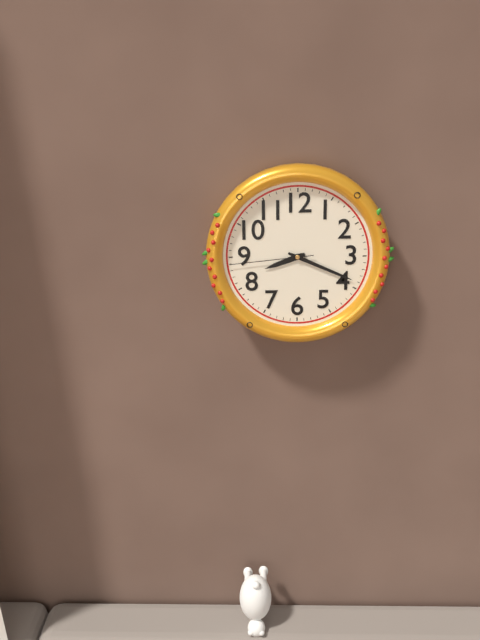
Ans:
8 h 19 min 44 s
